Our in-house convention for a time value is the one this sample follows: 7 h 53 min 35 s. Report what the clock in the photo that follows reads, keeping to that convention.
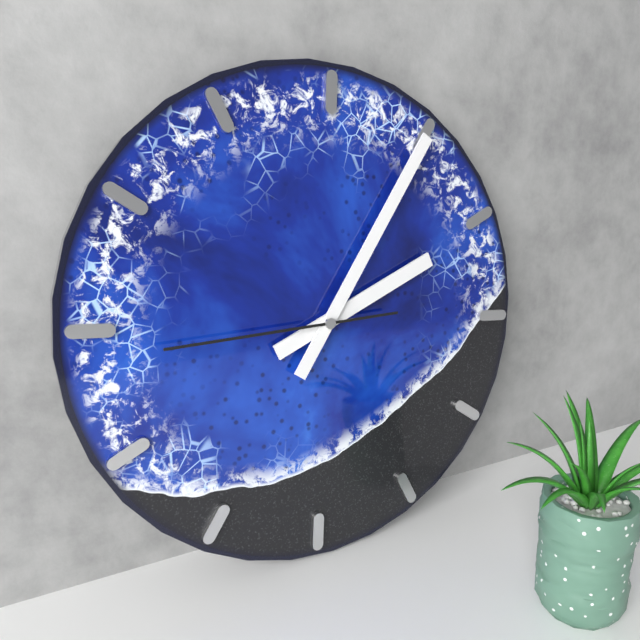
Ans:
2 h 05 min 44 s
